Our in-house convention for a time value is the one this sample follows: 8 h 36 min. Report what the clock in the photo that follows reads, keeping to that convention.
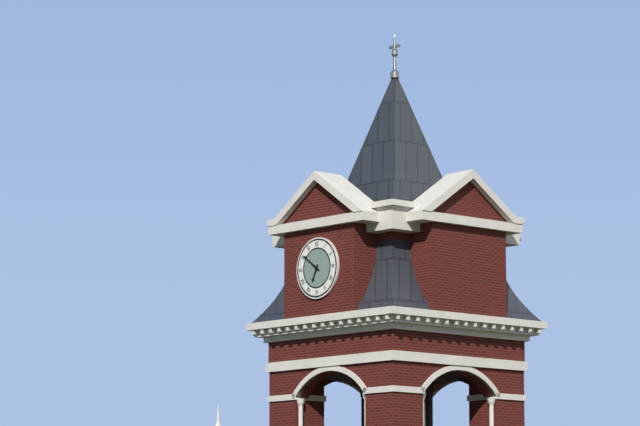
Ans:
6 h 51 min
